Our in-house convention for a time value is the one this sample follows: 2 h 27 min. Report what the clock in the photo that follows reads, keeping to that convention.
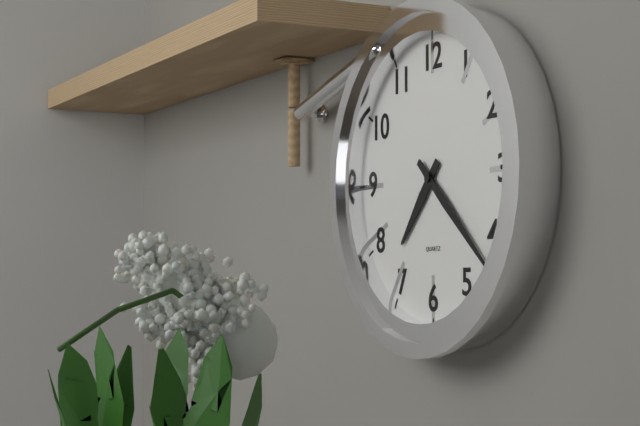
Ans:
7 h 22 min
